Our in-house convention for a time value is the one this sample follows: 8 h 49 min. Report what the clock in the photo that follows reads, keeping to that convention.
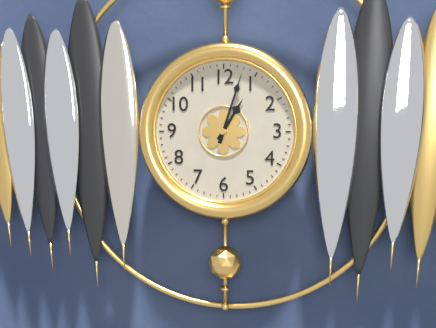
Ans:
1 h 03 min
